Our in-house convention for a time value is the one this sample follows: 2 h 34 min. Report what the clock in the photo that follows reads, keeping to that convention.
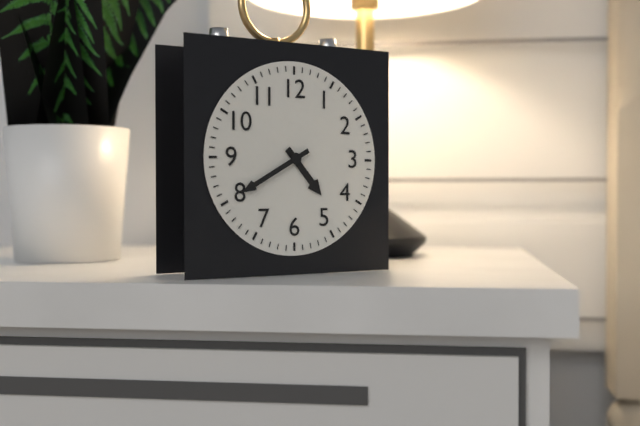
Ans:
4 h 40 min
